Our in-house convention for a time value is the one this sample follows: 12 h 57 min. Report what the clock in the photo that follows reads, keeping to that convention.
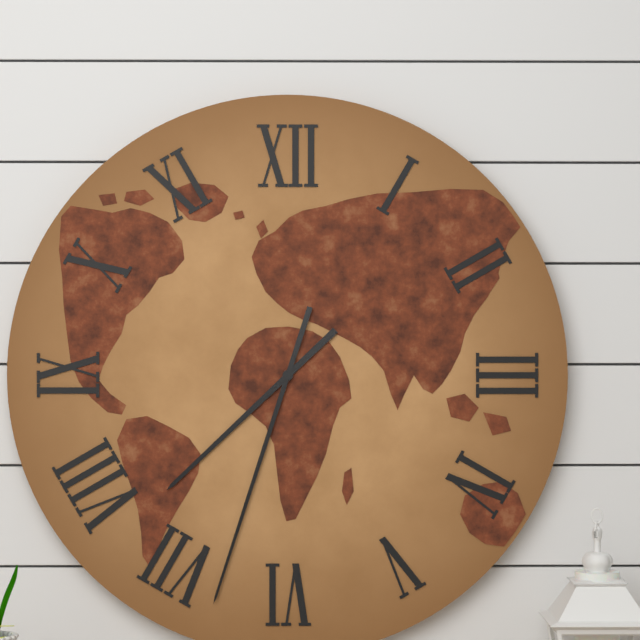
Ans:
7 h 33 min
